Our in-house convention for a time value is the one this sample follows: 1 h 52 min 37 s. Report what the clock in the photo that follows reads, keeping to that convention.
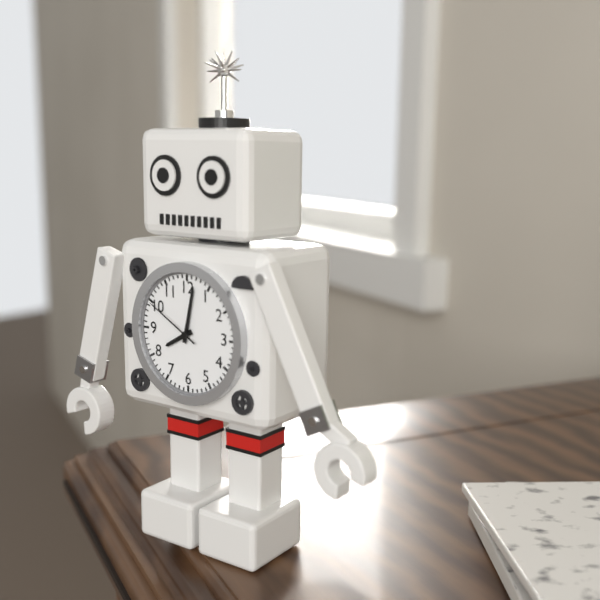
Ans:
8 h 02 min 50 s
